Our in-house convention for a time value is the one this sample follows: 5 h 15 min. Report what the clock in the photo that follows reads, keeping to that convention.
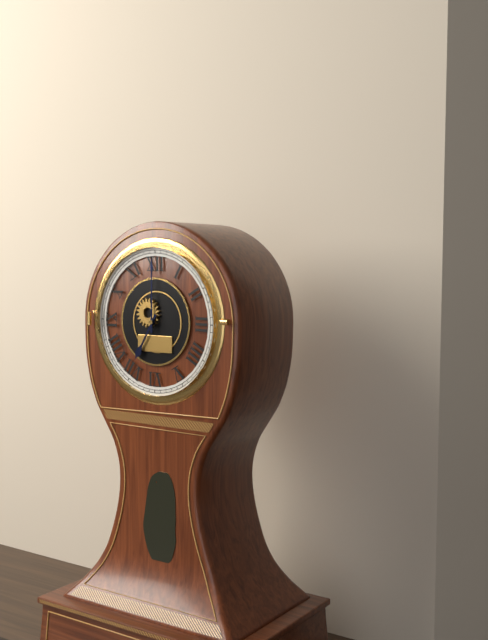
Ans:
7 h 00 min
